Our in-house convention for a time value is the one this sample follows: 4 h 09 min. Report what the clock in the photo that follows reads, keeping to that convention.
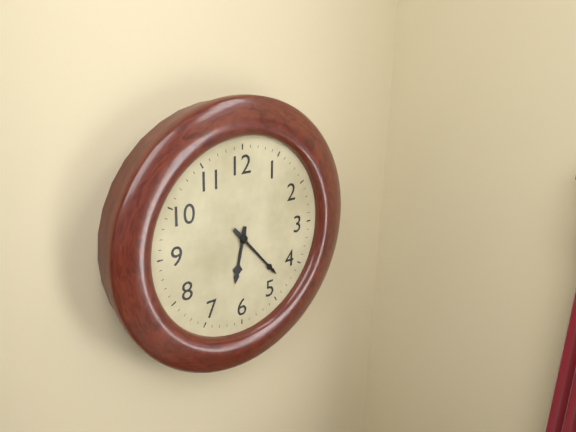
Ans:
6 h 23 min
